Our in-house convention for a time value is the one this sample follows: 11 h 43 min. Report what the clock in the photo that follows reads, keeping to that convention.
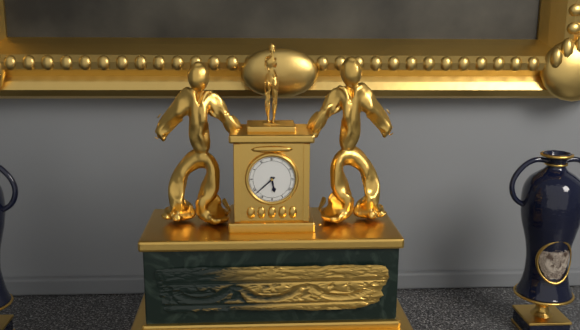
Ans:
5 h 38 min
